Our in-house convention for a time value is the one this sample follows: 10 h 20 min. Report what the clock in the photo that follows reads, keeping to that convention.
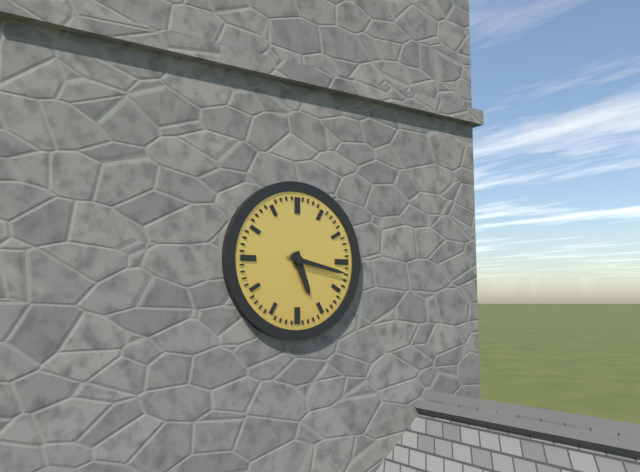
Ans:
5 h 17 min
